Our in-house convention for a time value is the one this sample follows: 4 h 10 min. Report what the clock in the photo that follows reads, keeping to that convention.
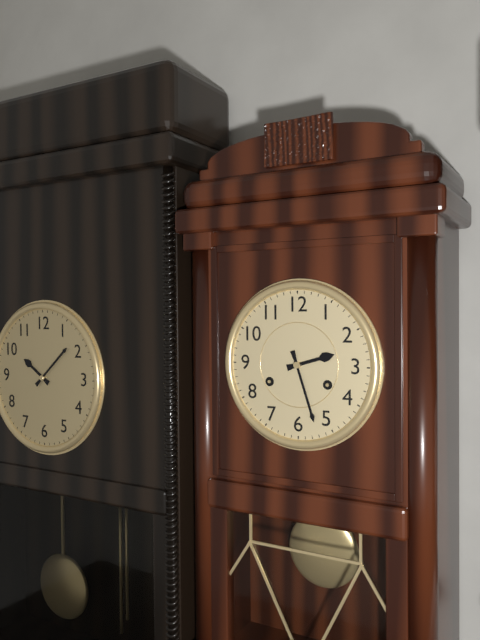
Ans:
2 h 27 min
